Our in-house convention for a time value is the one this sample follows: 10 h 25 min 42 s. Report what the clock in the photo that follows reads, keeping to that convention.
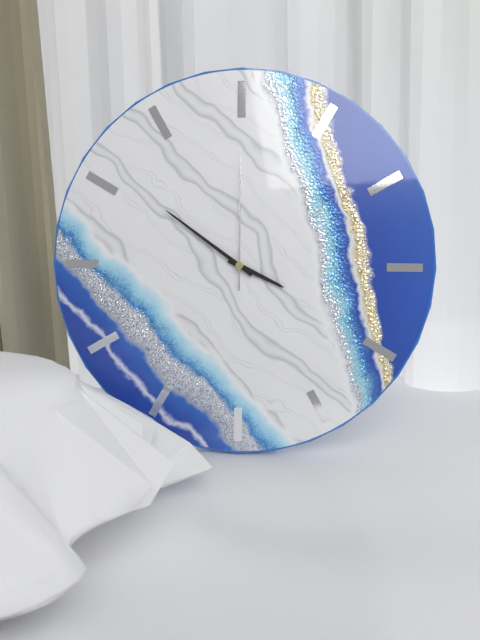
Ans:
3 h 51 min 00 s
